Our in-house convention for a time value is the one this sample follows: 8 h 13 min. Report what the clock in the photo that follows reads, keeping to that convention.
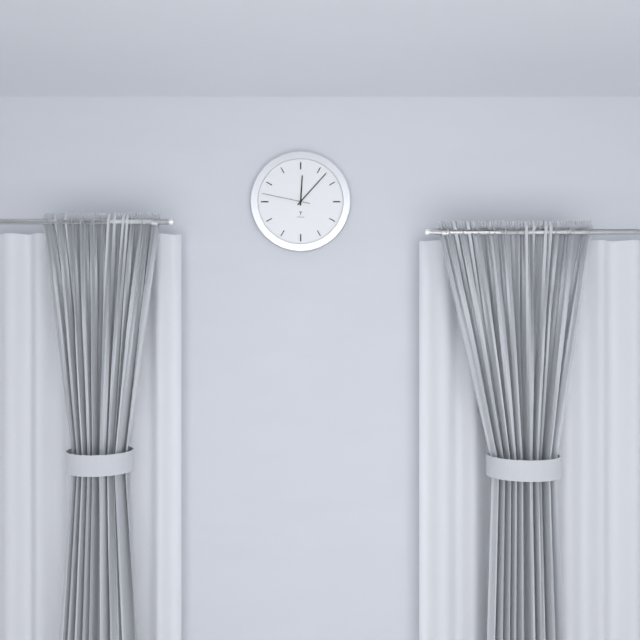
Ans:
12 h 07 min
